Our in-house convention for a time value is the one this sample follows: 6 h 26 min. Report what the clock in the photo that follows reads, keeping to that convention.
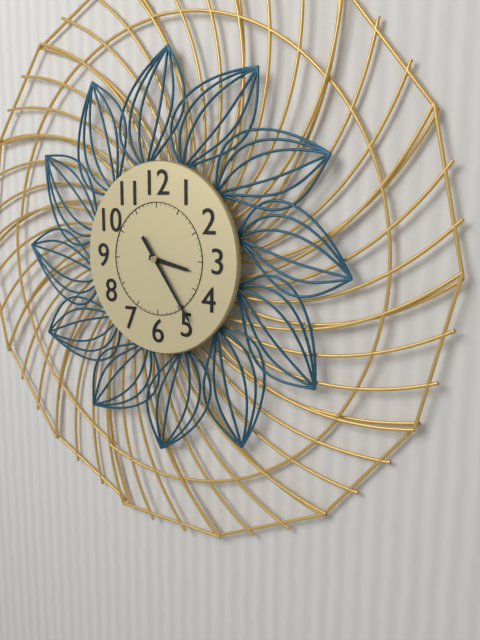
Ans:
3 h 24 min
